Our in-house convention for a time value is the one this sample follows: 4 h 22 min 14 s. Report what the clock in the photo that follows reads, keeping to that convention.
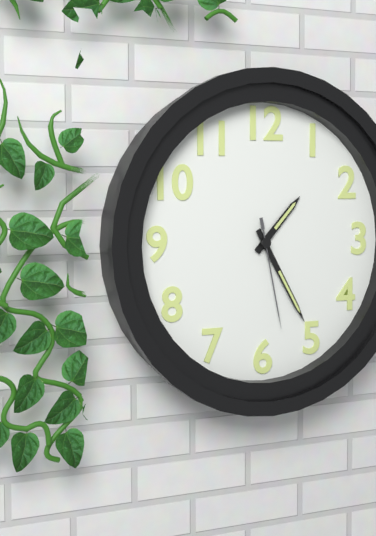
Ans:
1 h 25 min 28 s
